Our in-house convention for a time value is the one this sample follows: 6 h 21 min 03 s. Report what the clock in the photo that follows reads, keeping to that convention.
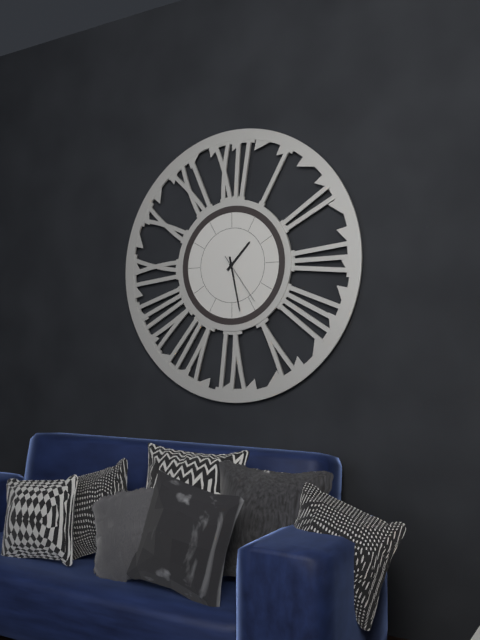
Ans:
1 h 28 min 24 s
